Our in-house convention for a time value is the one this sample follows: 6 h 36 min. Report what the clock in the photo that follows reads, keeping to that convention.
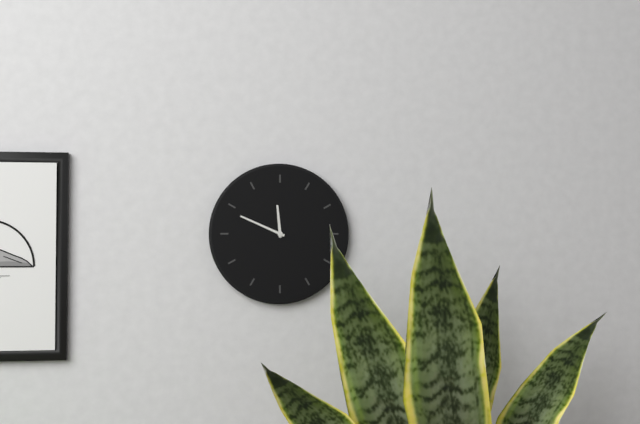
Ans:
11 h 49 min
